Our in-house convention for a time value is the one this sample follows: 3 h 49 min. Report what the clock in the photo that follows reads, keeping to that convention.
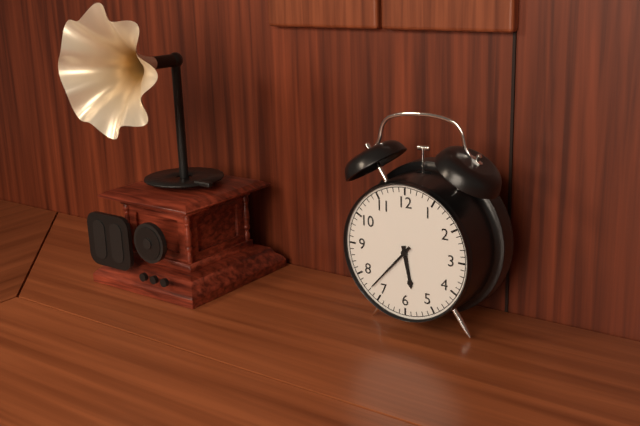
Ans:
5 h 37 min
